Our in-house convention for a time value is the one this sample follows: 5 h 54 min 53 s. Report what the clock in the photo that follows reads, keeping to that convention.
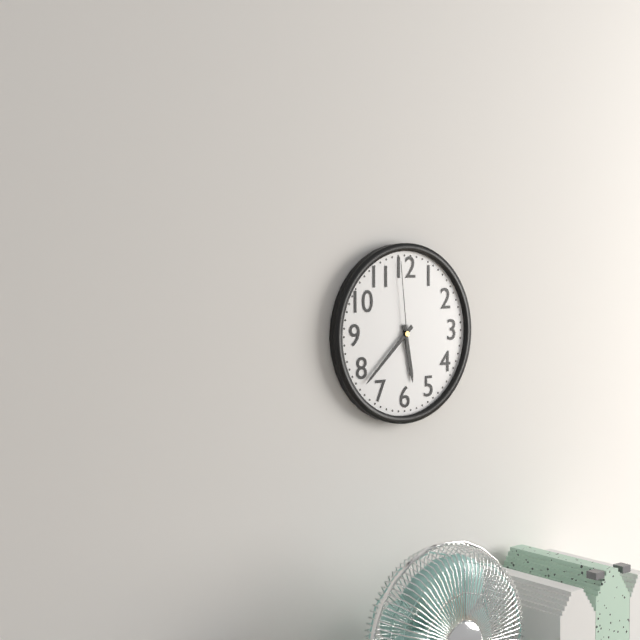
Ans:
5 h 38 min 59 s
